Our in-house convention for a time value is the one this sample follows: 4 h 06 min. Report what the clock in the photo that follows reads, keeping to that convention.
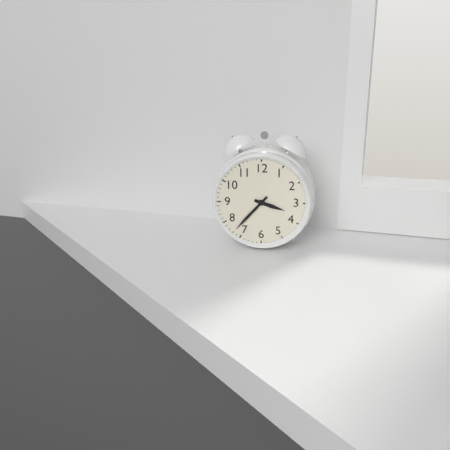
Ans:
3 h 37 min
